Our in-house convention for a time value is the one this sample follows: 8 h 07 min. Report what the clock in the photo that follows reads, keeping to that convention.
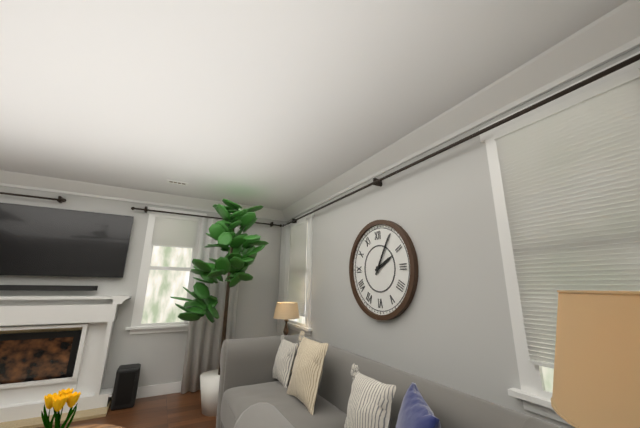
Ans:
2 h 05 min
